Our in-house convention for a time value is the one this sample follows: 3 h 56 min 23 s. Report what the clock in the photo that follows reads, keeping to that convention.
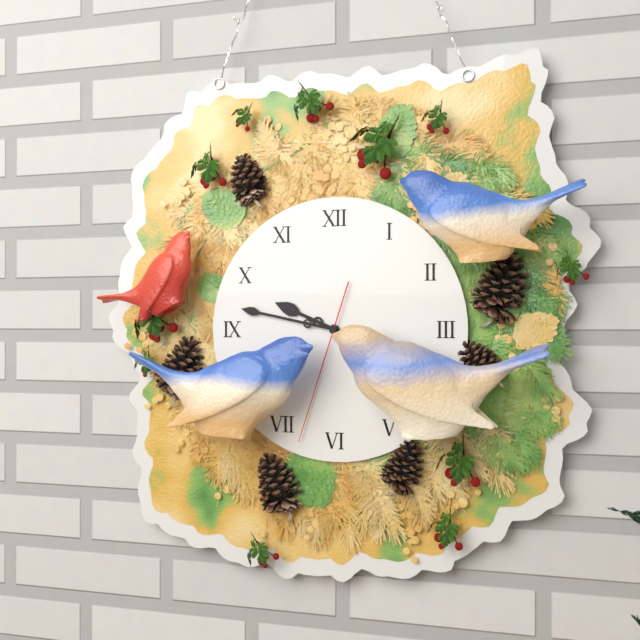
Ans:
9 h 47 min 33 s
